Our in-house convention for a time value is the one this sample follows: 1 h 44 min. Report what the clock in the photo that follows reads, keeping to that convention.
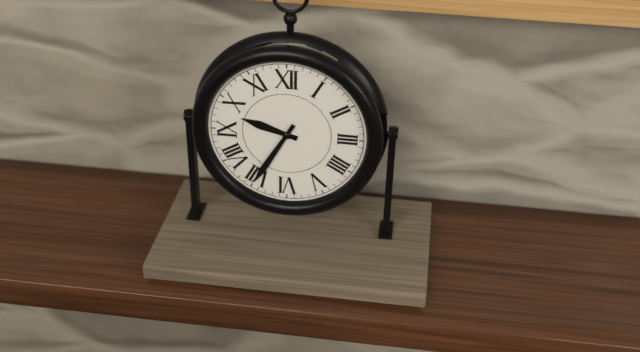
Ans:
9 h 35 min
